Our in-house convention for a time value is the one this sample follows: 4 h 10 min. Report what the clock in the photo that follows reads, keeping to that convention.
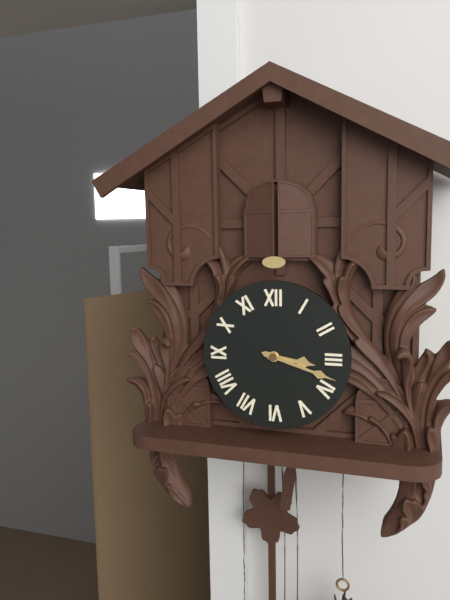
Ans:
3 h 18 min
